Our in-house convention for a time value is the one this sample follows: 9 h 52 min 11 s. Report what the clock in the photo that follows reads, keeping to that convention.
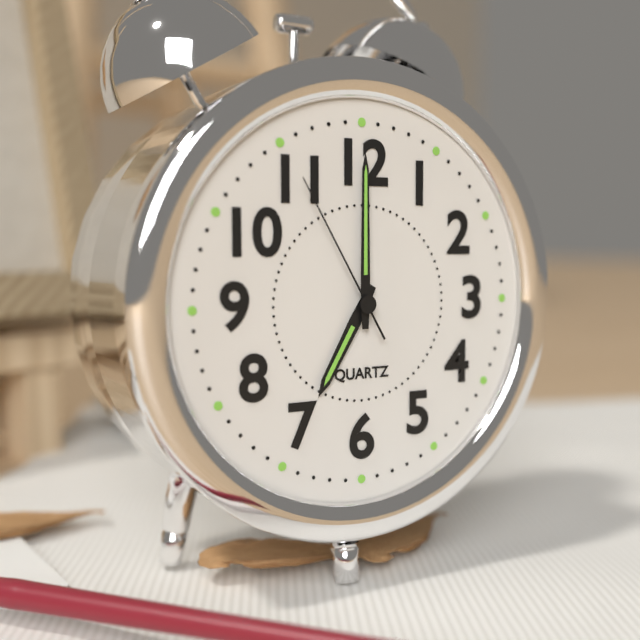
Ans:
7 h 00 min 55 s
